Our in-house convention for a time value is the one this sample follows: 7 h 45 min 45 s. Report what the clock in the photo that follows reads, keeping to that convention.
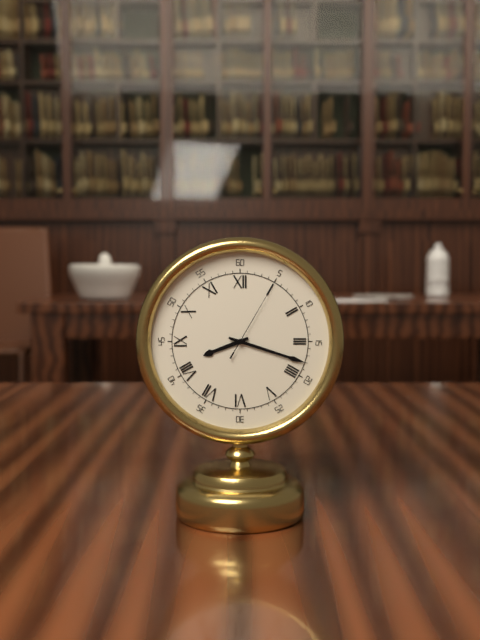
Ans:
8 h 18 min 05 s
